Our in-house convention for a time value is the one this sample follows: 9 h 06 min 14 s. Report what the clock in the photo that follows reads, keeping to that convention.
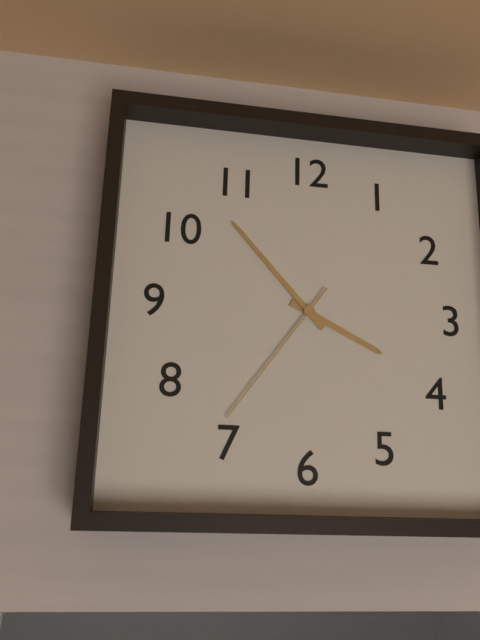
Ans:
3 h 53 min 36 s
